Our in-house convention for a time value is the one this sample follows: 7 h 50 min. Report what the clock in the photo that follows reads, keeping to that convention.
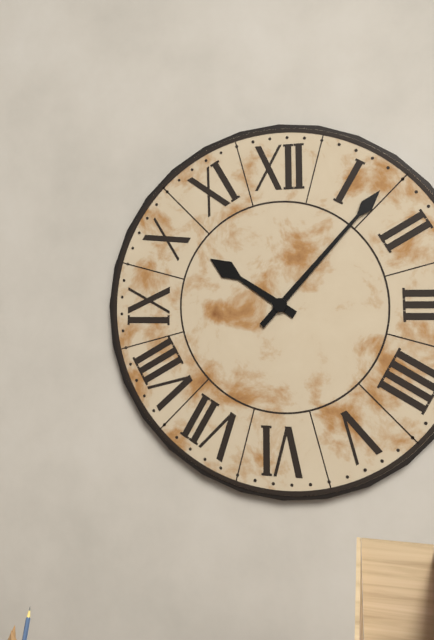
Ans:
10 h 07 min
